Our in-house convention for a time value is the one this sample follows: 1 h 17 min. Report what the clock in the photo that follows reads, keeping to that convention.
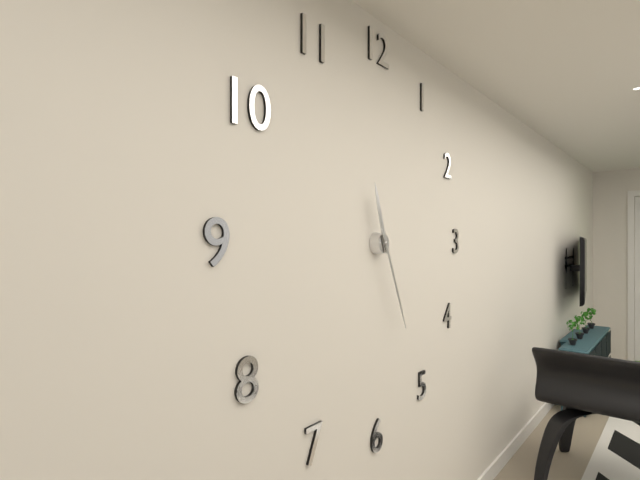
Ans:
11 h 26 min
